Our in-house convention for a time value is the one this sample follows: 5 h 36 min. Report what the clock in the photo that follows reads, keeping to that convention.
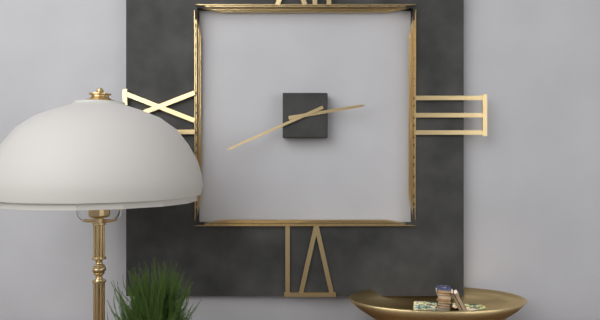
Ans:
2 h 41 min
